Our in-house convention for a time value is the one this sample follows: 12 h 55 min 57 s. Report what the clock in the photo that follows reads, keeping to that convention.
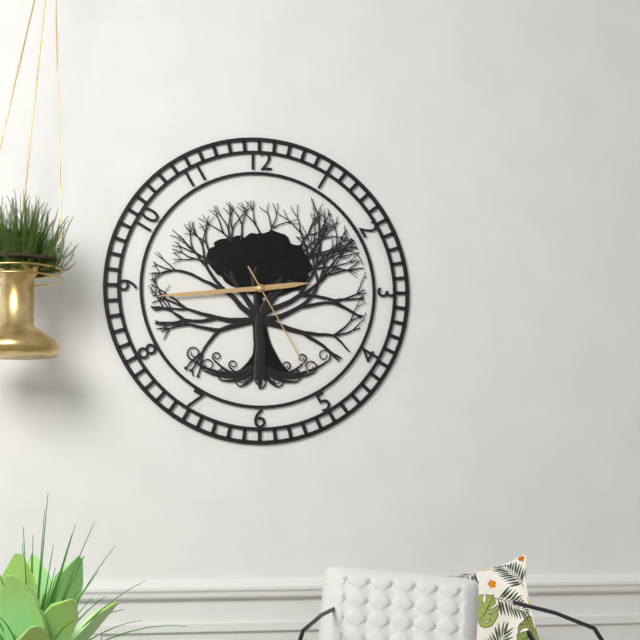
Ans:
2 h 44 min 25 s
